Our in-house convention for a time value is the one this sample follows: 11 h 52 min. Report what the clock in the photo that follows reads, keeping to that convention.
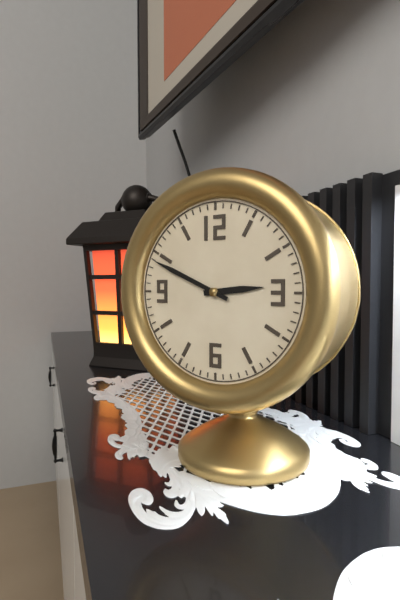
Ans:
2 h 49 min
